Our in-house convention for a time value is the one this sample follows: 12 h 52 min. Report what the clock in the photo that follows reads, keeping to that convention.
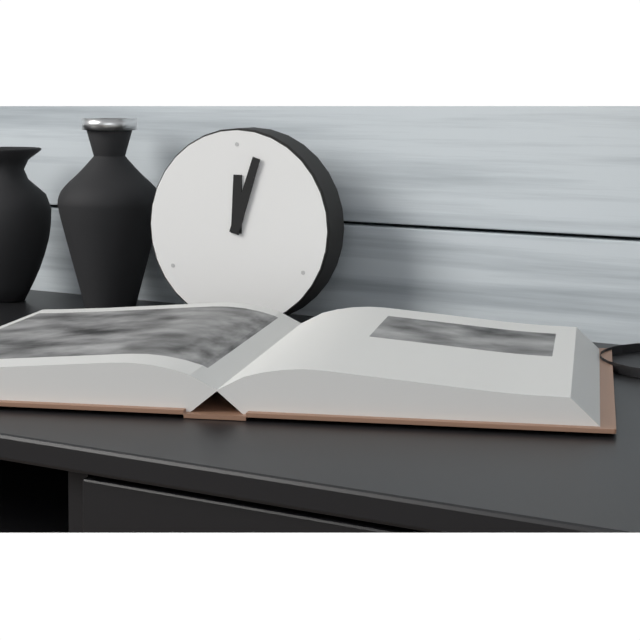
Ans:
12 h 03 min
